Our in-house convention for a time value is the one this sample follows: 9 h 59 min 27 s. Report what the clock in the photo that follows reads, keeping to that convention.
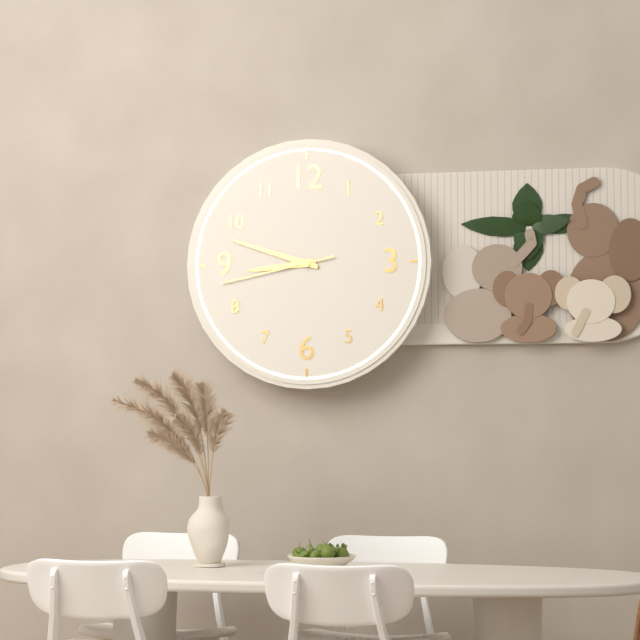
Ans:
8 h 48 min 43 s
